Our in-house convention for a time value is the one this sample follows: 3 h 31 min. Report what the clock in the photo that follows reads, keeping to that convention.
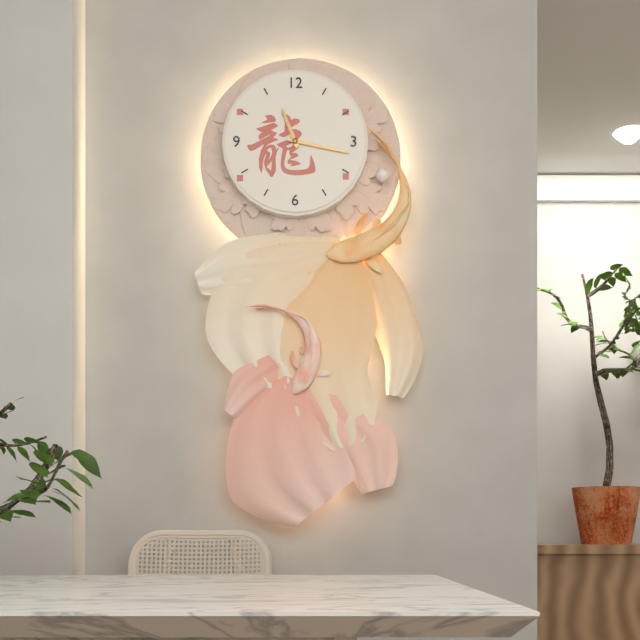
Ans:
11 h 17 min
